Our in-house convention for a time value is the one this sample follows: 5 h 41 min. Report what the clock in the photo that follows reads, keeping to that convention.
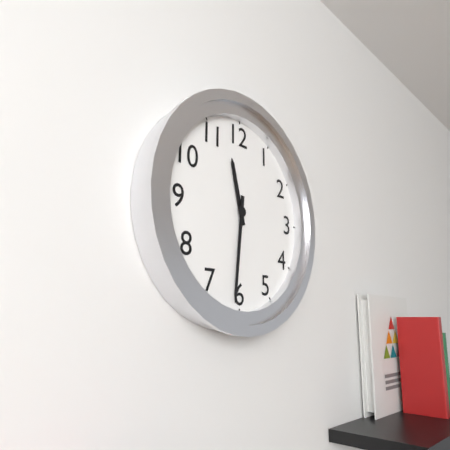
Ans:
11 h 31 min
